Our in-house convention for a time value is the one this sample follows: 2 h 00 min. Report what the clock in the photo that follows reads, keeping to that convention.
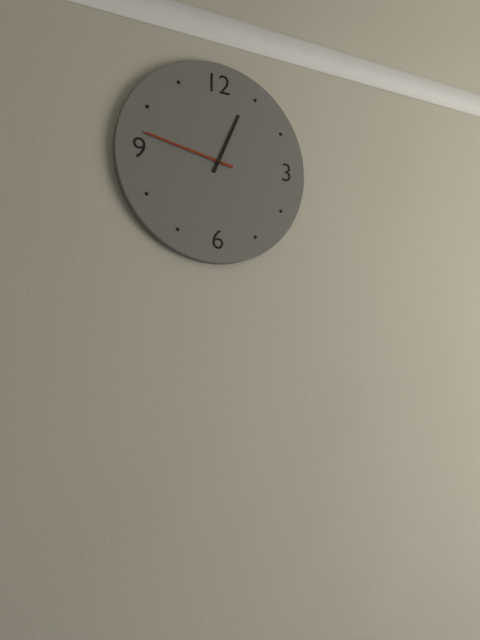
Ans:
12 h 47 min
